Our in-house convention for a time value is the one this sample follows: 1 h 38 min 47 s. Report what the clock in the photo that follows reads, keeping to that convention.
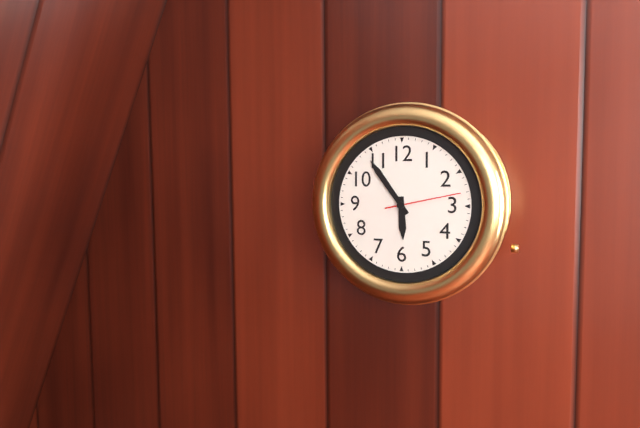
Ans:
5 h 54 min 13 s
